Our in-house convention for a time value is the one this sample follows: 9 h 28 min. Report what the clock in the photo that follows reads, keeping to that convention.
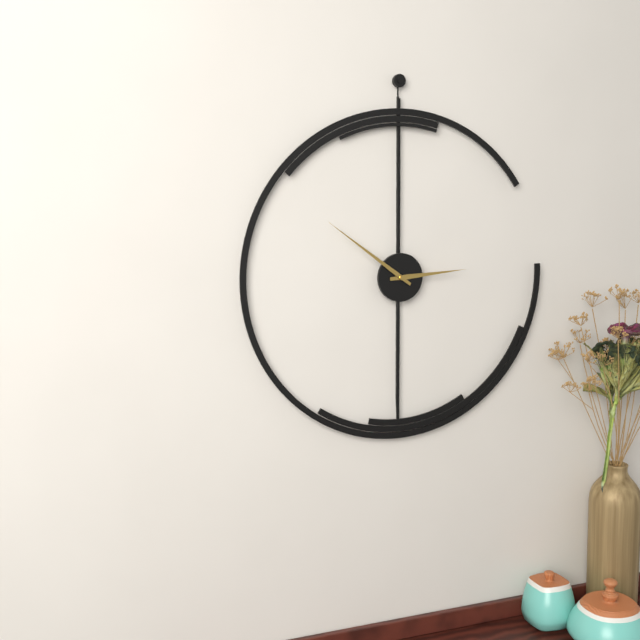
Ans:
2 h 51 min
